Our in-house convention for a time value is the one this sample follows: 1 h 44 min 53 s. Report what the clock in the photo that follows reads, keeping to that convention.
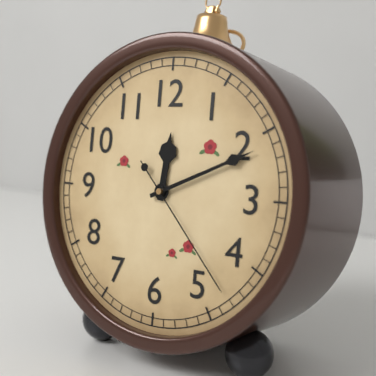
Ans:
12 h 11 min 23 s
